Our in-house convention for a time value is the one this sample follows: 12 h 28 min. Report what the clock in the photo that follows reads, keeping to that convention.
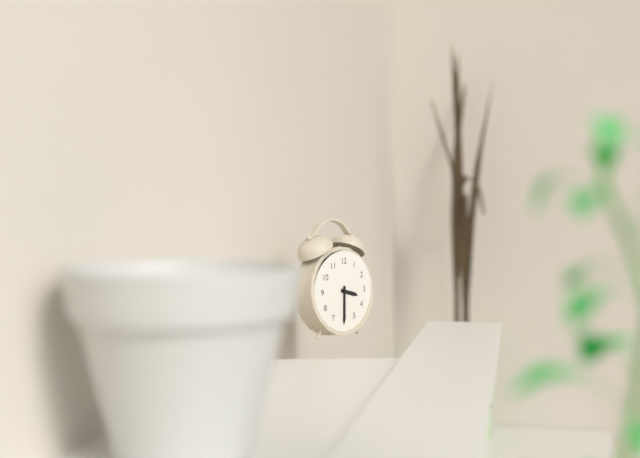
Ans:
3 h 30 min
